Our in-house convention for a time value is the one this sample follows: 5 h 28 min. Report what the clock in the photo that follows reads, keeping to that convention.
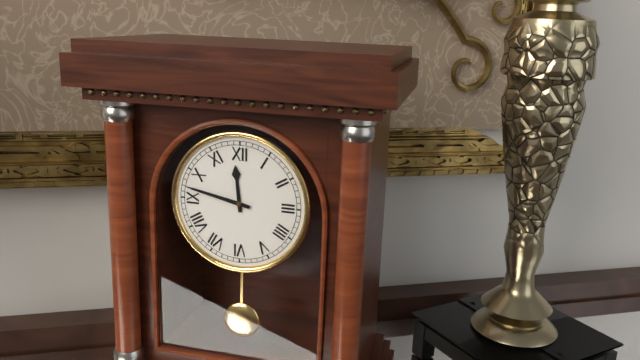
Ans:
11 h 47 min
